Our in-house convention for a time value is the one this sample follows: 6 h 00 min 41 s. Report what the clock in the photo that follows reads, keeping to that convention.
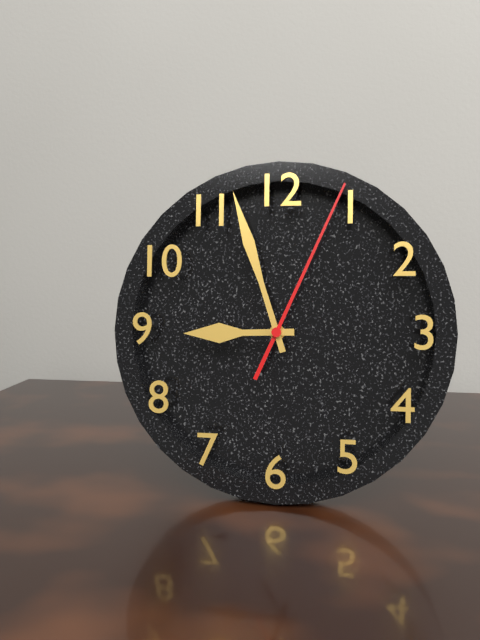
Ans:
8 h 57 min 04 s
